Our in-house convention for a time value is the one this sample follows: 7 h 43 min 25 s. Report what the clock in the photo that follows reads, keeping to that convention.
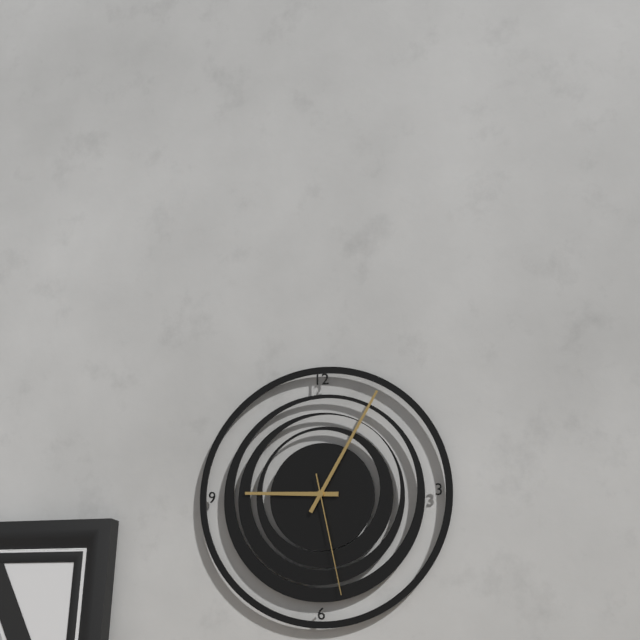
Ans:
9 h 05 min 28 s
